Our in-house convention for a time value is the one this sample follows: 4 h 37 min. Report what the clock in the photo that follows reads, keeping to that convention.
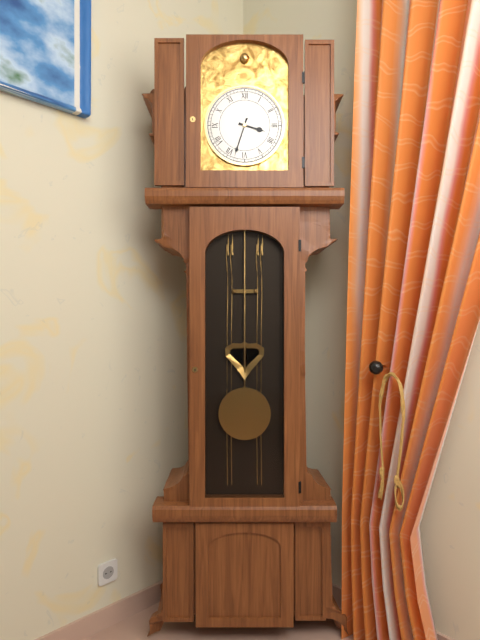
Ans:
3 h 33 min
